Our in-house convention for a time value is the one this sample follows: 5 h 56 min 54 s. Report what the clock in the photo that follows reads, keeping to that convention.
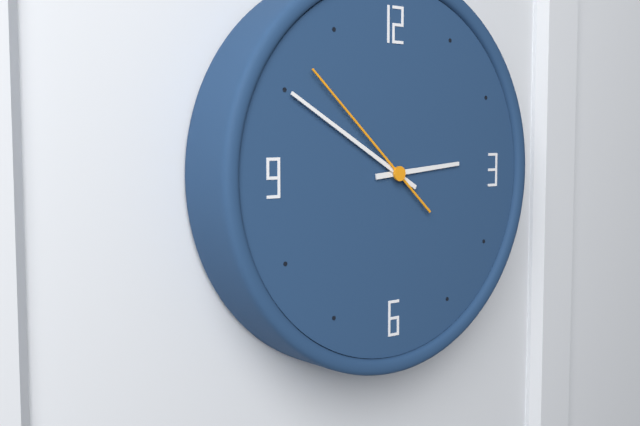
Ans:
2 h 50 min 52 s
